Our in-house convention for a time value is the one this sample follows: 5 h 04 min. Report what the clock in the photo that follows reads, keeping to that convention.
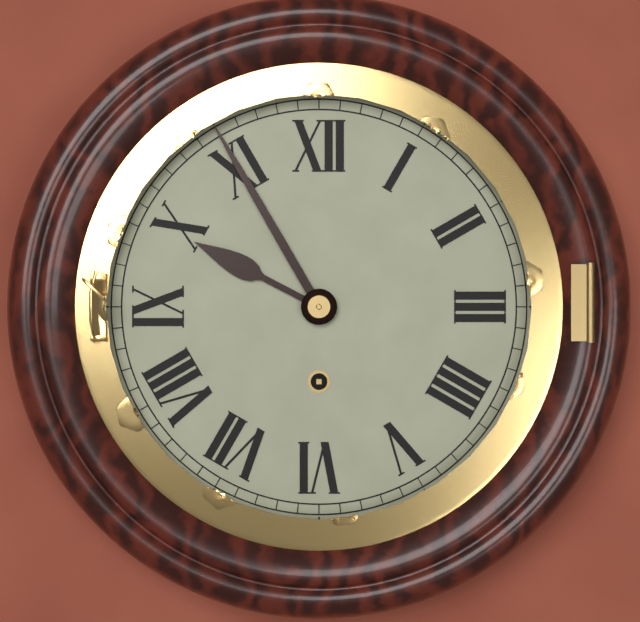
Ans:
9 h 55 min
